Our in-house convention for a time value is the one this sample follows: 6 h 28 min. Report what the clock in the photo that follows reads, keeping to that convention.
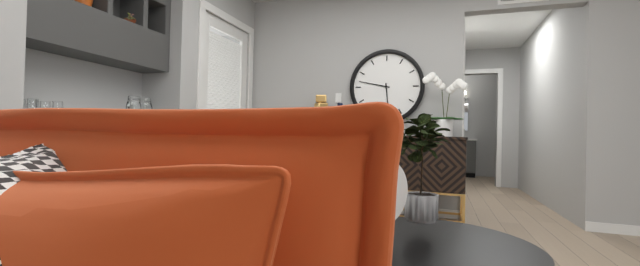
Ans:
5 h 47 min
